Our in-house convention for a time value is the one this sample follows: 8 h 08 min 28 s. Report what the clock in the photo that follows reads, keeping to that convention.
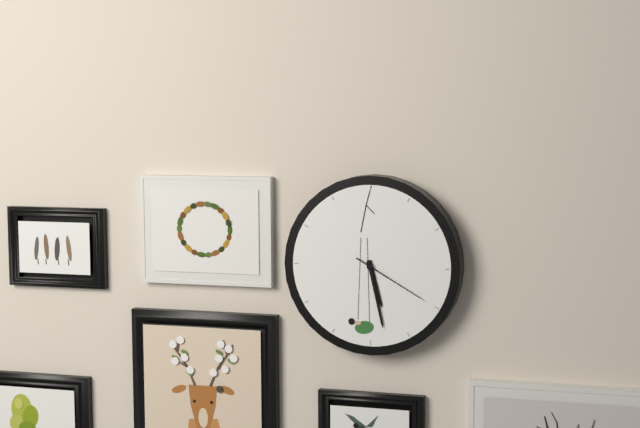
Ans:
5 h 28 min 20 s
